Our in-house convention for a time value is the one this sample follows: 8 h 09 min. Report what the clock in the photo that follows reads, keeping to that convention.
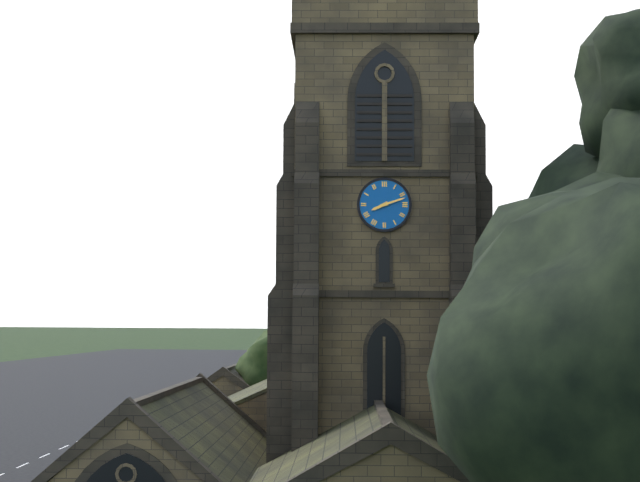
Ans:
8 h 12 min
